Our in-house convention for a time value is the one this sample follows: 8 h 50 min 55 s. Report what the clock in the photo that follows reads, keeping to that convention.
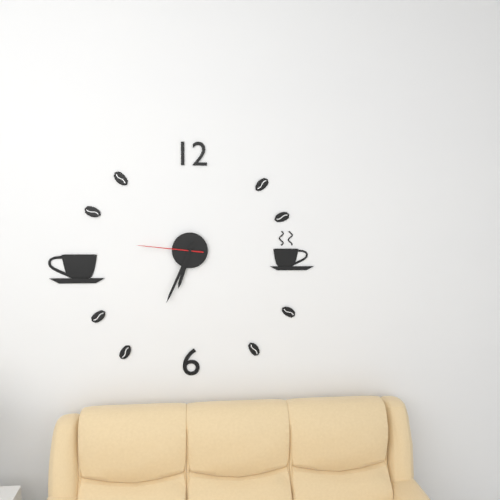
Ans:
6 h 34 min 46 s
